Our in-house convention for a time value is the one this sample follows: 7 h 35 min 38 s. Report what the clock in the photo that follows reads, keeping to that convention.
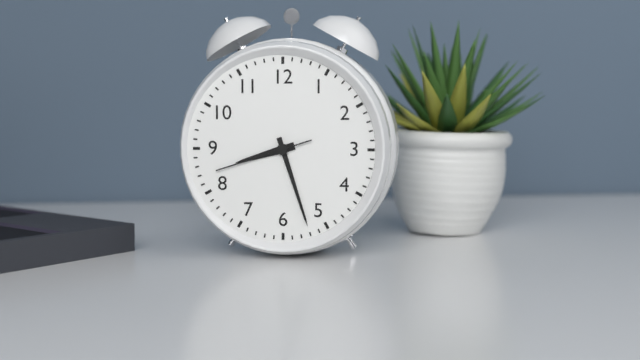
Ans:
8 h 27 min 42 s
